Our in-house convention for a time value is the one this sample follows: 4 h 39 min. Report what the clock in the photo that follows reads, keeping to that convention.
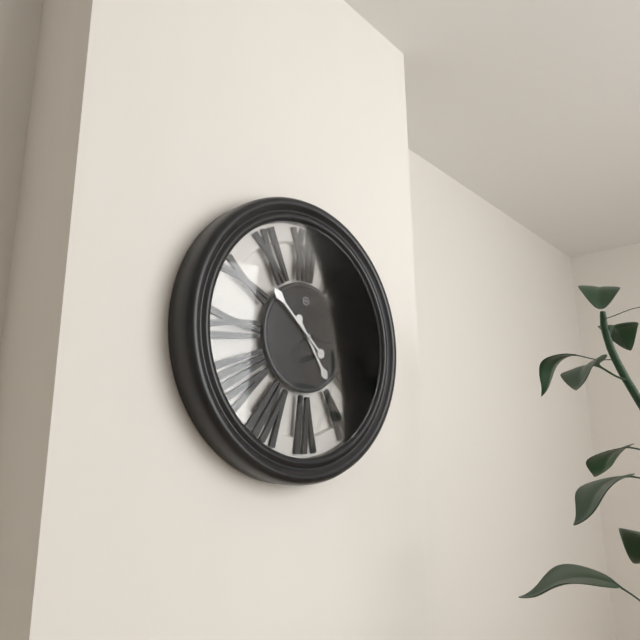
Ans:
4 h 52 min
